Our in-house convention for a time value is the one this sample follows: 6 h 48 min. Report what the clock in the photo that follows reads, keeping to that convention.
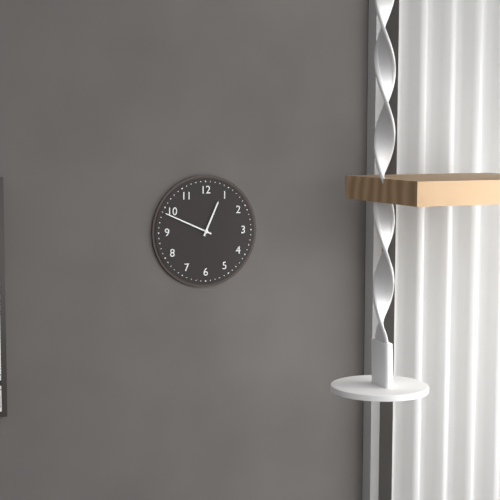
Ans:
12 h 49 min
